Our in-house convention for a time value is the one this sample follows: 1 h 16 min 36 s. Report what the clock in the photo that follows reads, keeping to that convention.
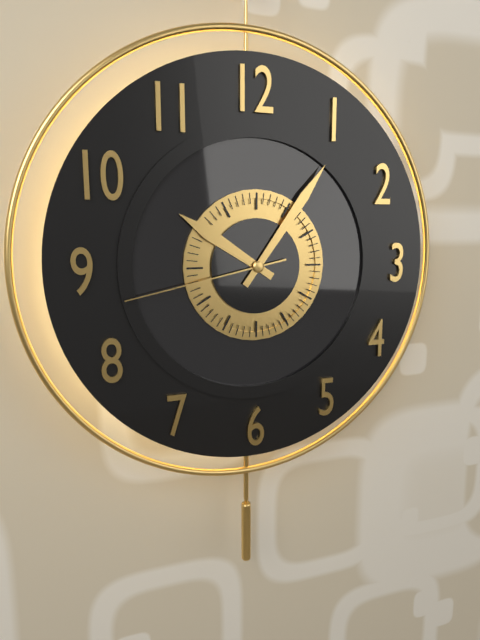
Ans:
10 h 06 min 43 s
